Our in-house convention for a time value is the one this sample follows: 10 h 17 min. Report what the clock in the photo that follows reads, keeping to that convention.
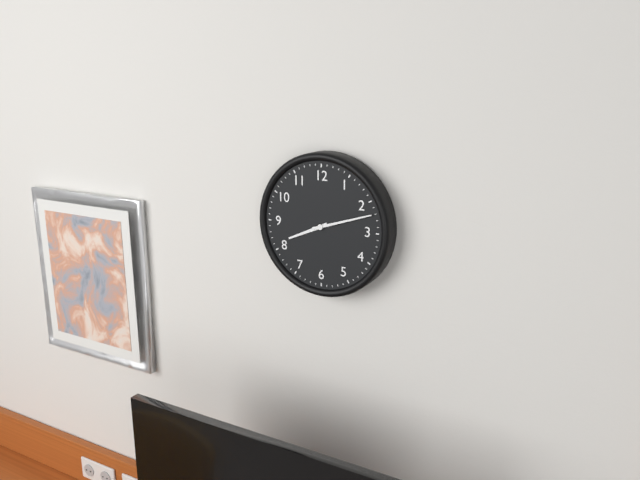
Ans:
8 h 12 min
